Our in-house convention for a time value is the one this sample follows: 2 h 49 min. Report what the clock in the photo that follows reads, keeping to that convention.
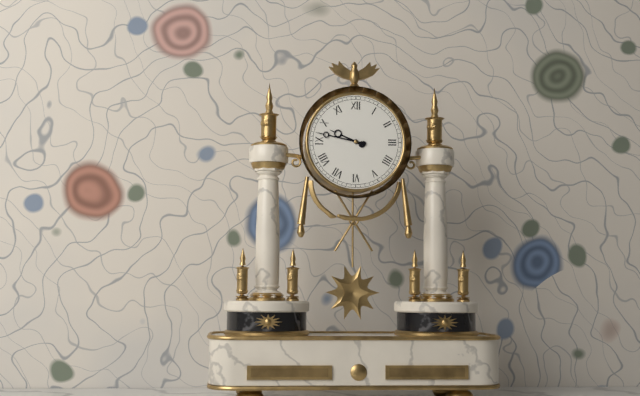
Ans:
9 h 47 min
